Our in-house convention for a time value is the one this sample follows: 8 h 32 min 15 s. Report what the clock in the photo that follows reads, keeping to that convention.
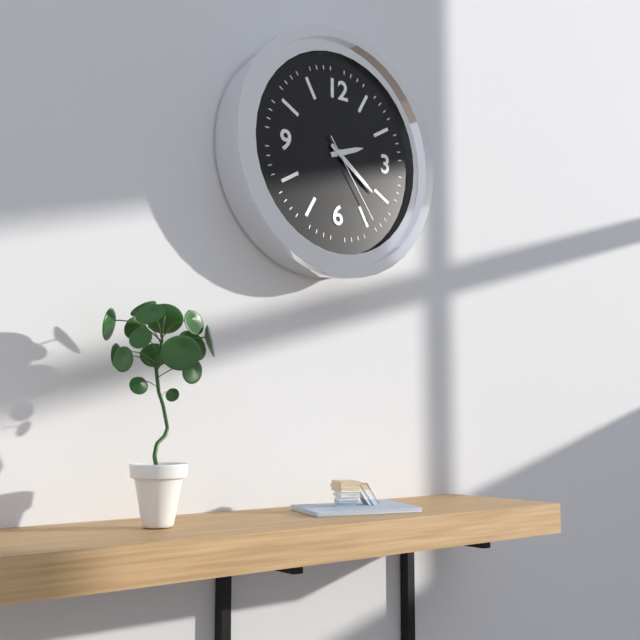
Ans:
2 h 21 min 24 s
